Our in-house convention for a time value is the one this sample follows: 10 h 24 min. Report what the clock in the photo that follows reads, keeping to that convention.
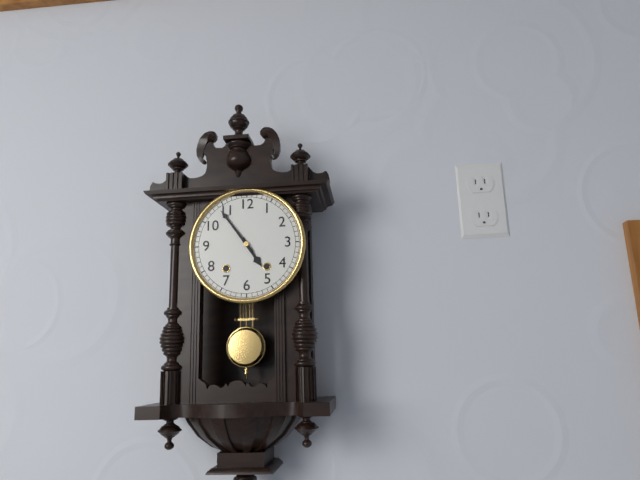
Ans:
4 h 54 min
